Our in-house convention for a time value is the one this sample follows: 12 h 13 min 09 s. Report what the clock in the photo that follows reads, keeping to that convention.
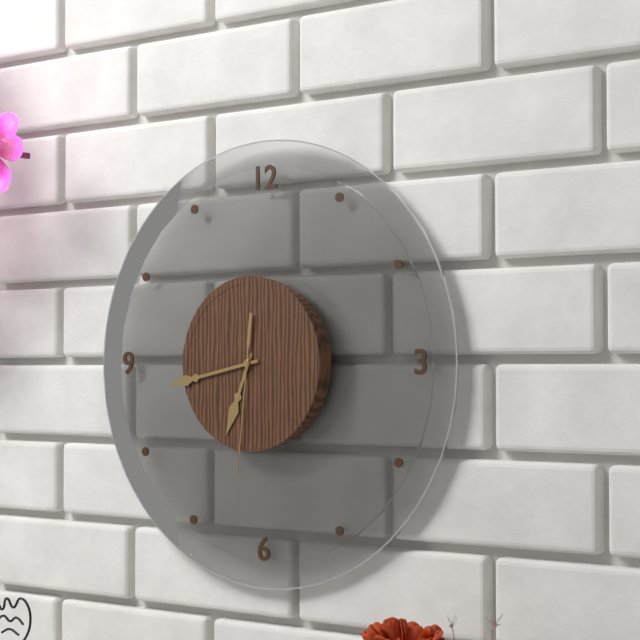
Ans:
6 h 43 min 31 s
